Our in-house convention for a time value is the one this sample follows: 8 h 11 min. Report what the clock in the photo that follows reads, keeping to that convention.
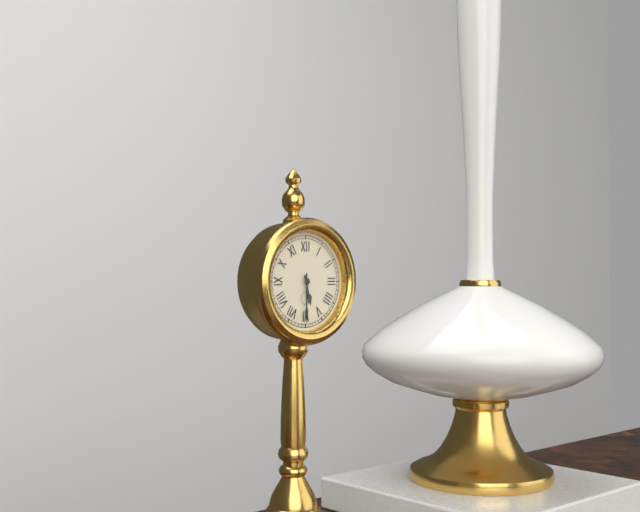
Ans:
5 h 30 min
